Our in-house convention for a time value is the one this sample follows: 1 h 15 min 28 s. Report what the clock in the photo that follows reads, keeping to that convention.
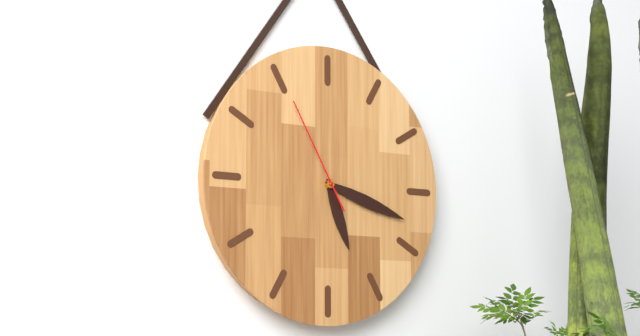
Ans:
5 h 18 min 55 s
